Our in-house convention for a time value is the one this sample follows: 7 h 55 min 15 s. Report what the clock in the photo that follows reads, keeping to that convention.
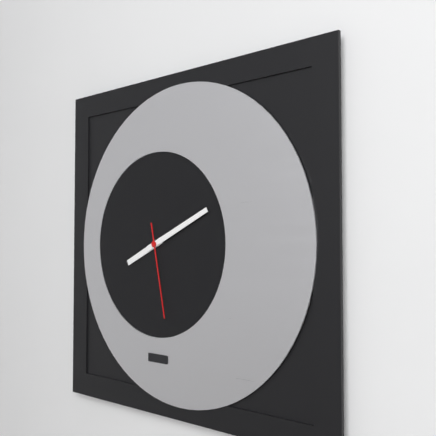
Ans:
8 h 11 min 28 s
